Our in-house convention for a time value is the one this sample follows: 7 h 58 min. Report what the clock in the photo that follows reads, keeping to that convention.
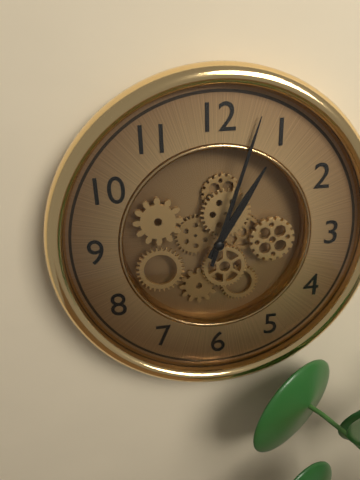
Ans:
1 h 03 min
